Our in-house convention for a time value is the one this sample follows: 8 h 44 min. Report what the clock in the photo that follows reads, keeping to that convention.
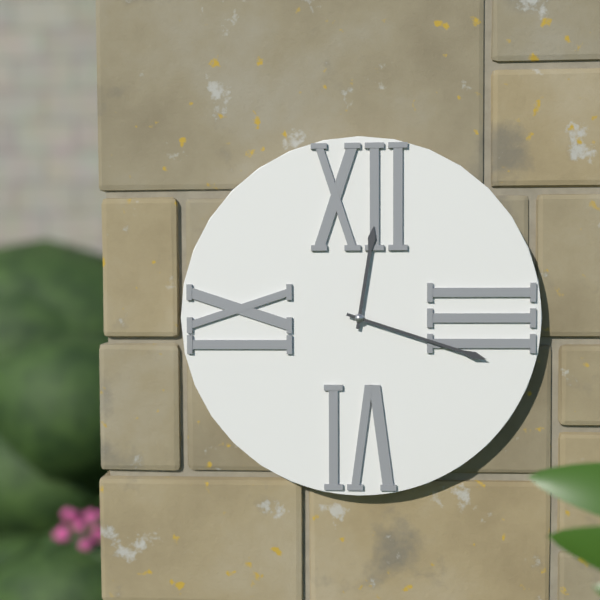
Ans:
12 h 18 min
